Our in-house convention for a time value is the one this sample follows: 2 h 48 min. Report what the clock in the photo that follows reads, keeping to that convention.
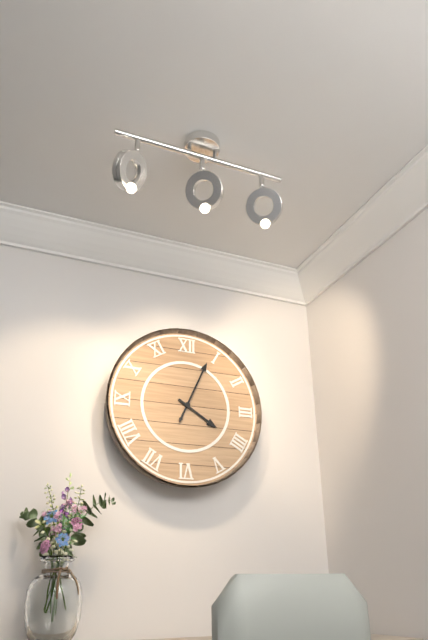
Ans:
4 h 04 min
